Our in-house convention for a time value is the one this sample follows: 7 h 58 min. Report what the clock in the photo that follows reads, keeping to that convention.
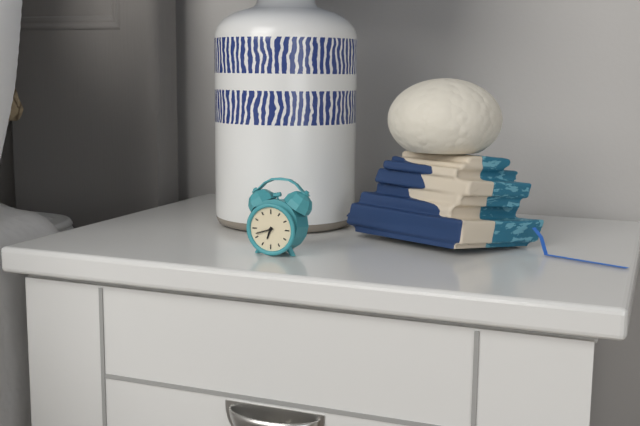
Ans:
6 h 42 min
